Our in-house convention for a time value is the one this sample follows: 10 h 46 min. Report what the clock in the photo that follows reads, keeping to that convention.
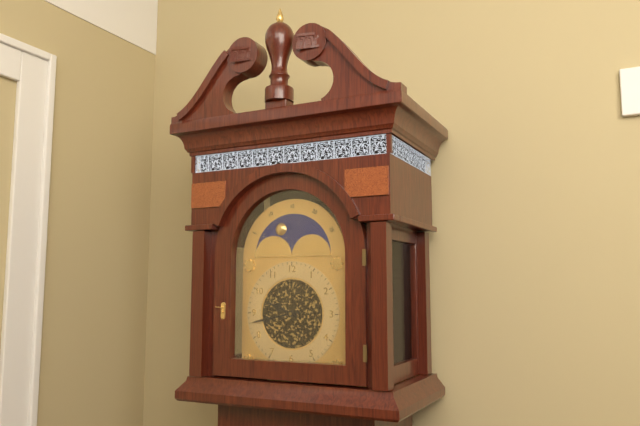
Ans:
9 h 43 min
